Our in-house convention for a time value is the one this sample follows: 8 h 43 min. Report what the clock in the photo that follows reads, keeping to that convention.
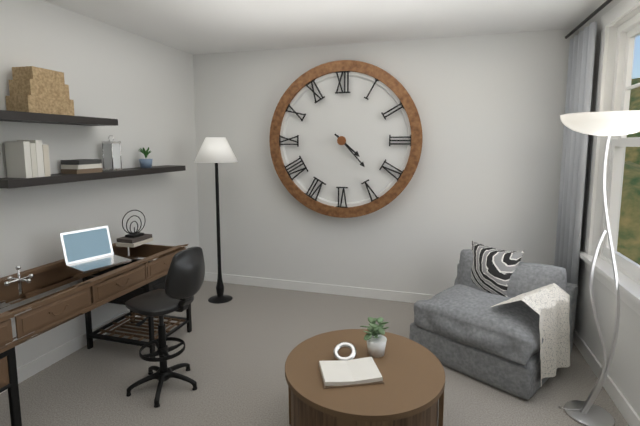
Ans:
4 h 23 min
